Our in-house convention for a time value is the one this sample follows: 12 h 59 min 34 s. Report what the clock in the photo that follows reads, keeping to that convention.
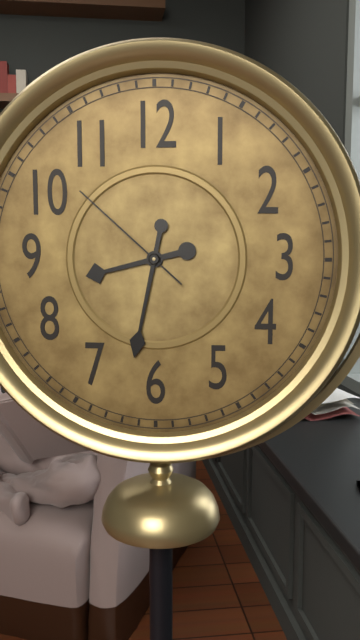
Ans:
8 h 32 min 52 s
